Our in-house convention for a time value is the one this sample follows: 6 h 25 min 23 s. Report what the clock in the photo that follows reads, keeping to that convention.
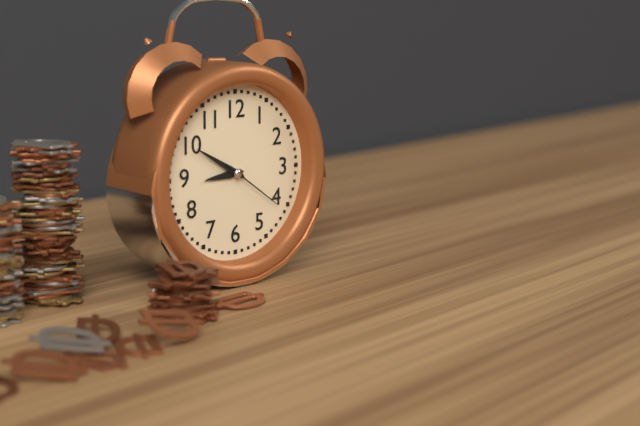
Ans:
8 h 50 min 21 s
